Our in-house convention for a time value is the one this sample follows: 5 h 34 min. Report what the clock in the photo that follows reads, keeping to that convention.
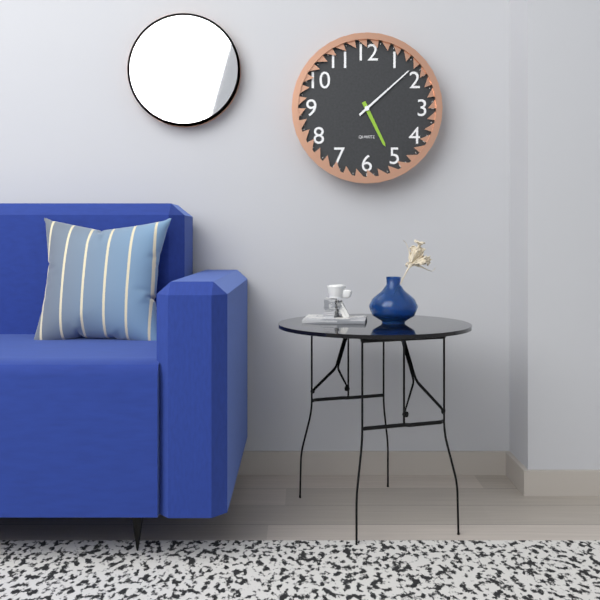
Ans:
5 h 08 min
